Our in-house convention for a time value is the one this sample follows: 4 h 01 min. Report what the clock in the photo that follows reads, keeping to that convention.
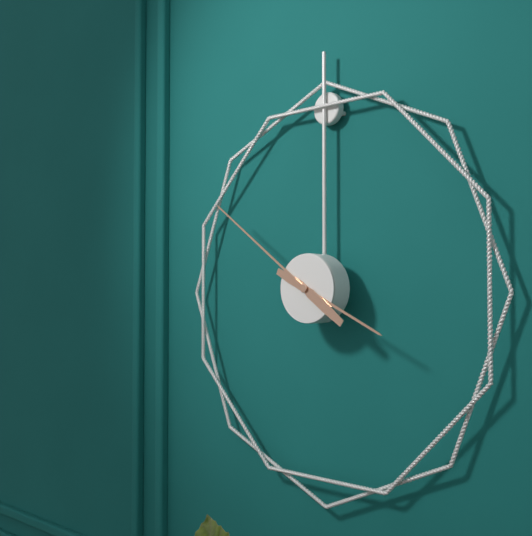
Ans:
3 h 51 min
